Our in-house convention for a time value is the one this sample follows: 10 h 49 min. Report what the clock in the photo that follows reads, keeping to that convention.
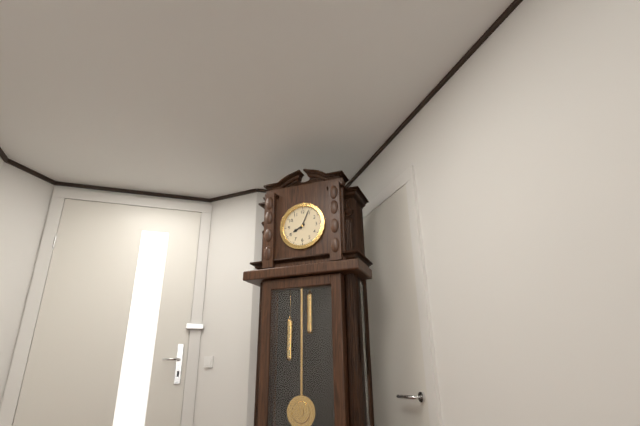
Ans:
8 h 04 min
